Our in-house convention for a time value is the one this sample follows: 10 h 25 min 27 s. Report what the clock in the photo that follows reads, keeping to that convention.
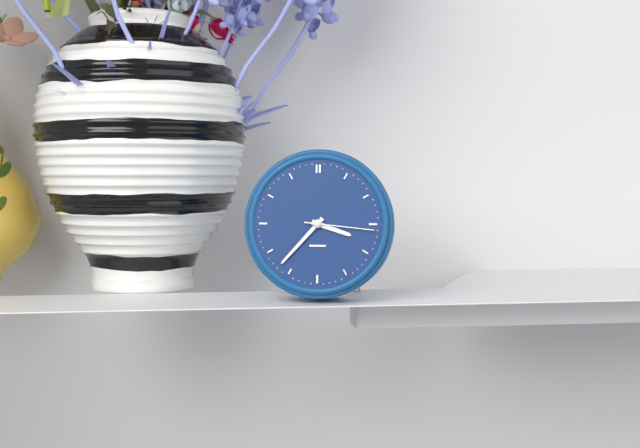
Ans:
3 h 37 min 16 s
